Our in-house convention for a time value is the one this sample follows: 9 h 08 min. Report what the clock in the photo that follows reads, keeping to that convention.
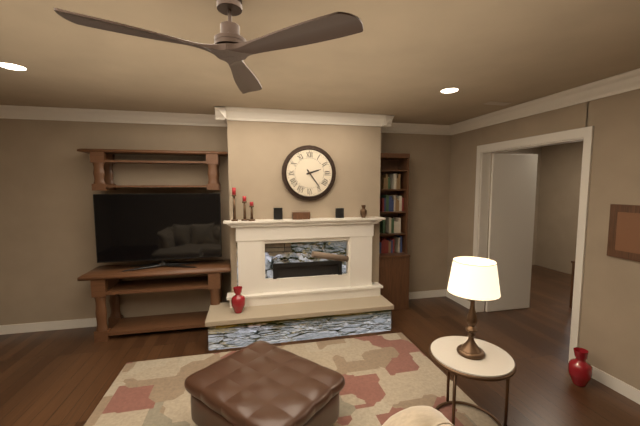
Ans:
2 h 24 min
